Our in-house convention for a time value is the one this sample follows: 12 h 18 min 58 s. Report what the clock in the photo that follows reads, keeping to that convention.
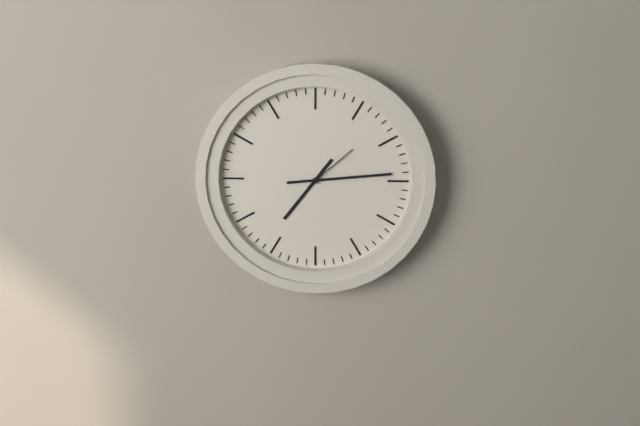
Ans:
7 h 14 min 08 s
